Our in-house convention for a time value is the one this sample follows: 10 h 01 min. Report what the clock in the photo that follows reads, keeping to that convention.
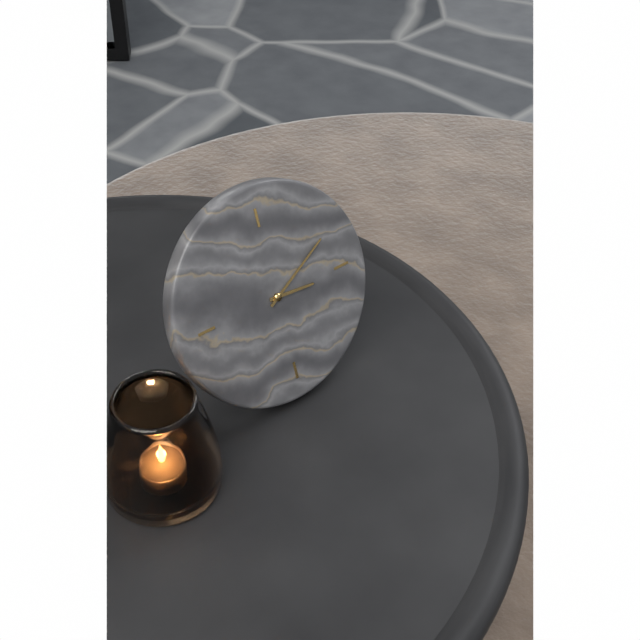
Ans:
3 h 10 min
